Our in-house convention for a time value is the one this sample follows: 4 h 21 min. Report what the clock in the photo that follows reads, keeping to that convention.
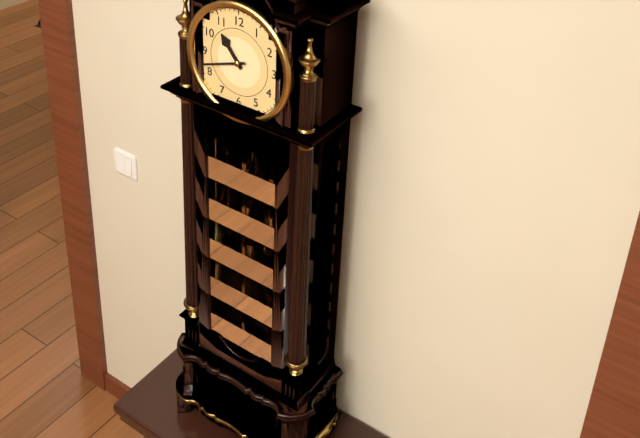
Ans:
10 h 42 min
